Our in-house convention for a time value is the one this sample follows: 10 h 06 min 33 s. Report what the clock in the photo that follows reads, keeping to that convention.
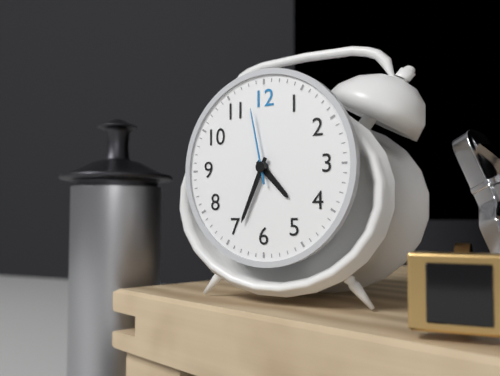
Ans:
4 h 34 min 58 s
